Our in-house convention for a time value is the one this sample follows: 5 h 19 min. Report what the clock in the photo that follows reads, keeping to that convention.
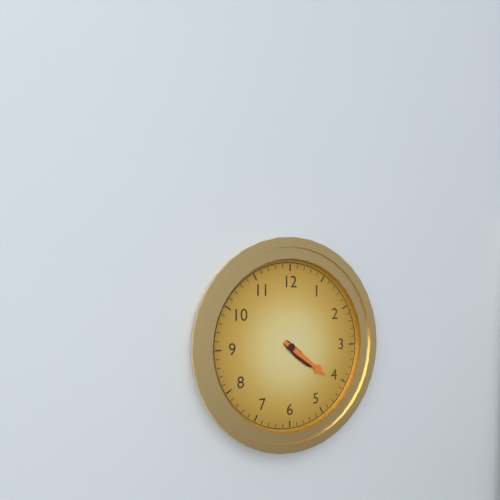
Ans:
4 h 21 min
